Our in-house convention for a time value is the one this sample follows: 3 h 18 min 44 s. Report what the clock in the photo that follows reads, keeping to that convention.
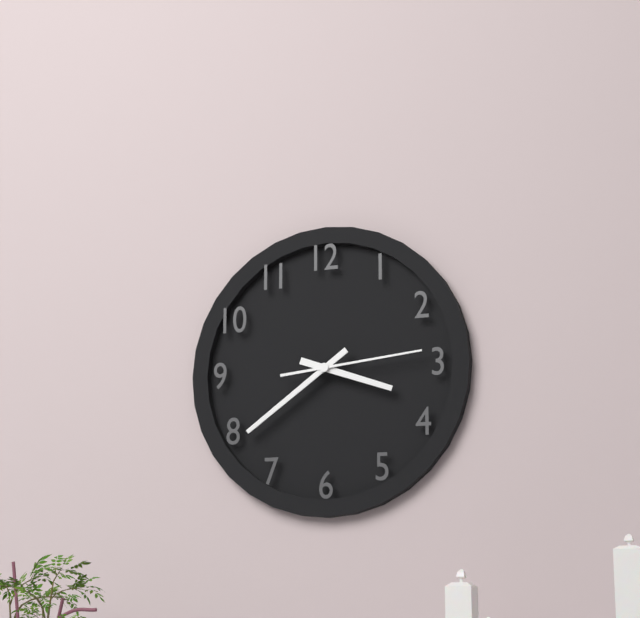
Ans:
3 h 39 min 14 s
